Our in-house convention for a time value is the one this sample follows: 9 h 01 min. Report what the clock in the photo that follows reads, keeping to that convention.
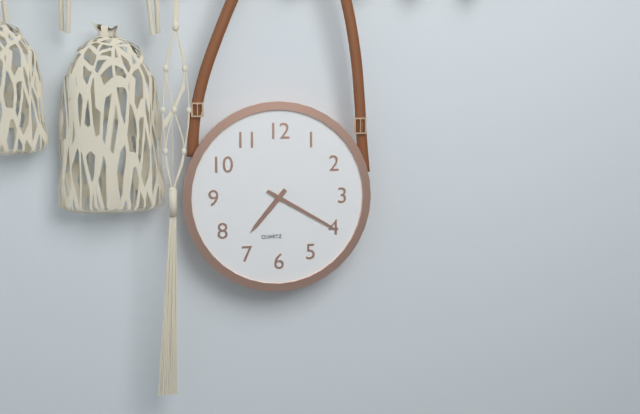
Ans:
7 h 20 min
